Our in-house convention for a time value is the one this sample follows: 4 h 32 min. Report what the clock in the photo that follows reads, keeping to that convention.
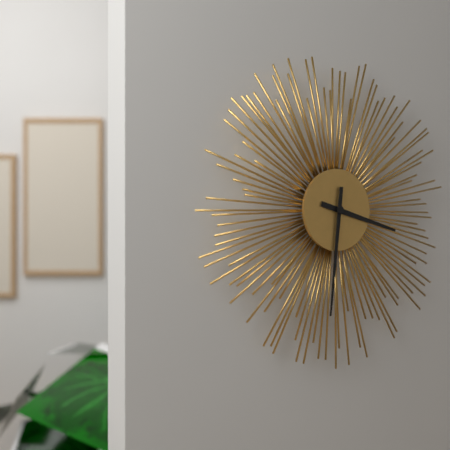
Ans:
3 h 31 min
